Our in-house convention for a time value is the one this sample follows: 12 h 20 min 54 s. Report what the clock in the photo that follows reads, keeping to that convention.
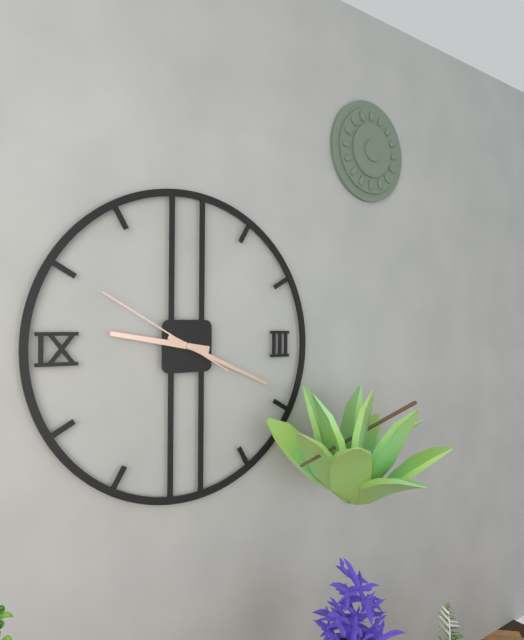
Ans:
9 h 19 min 50 s
